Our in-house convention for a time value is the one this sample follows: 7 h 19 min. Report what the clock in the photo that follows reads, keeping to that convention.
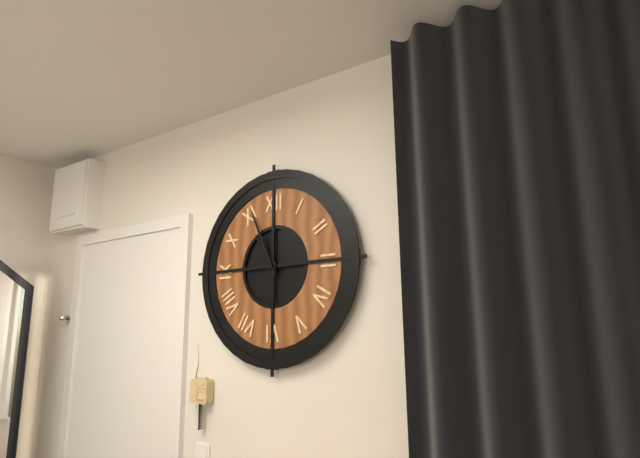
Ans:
10 h 56 min
